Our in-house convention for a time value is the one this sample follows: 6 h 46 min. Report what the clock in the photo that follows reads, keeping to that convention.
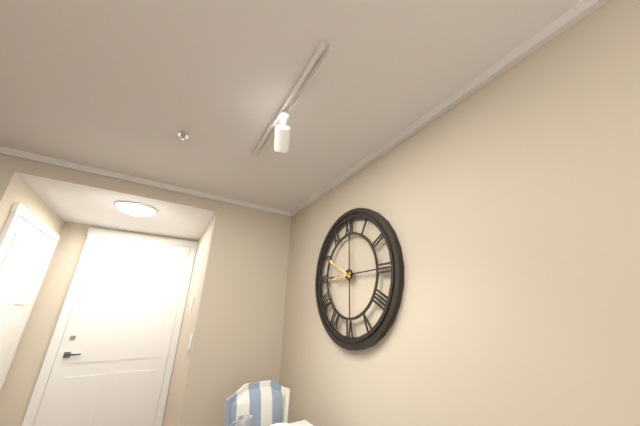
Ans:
8 h 50 min
